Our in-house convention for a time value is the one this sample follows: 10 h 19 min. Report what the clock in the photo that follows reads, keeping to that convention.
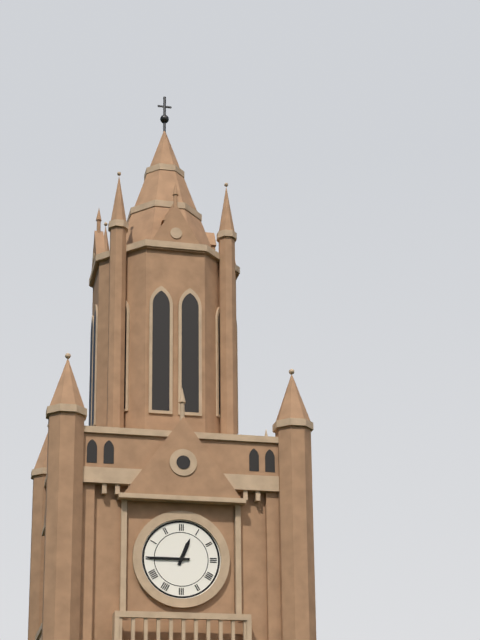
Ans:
12 h 45 min
